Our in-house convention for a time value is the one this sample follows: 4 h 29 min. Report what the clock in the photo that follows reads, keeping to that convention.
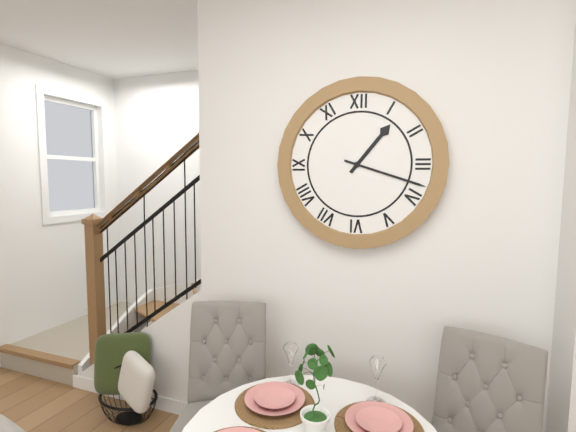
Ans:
1 h 18 min
